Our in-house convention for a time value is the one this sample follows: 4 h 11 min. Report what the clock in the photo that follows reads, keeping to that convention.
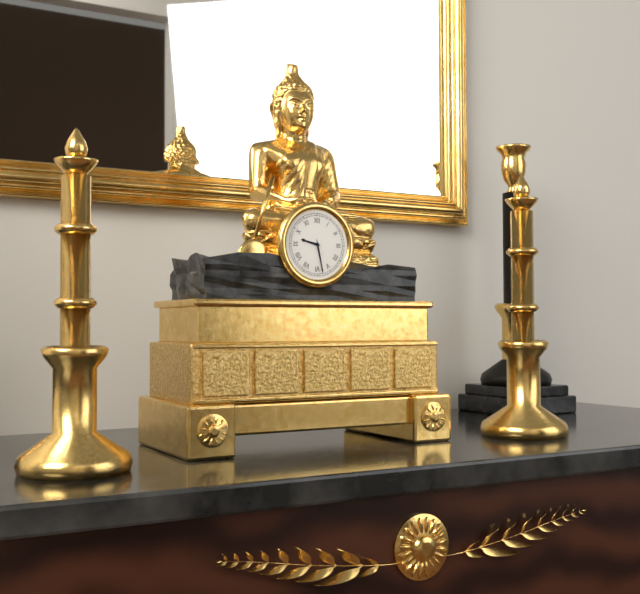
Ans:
9 h 28 min
